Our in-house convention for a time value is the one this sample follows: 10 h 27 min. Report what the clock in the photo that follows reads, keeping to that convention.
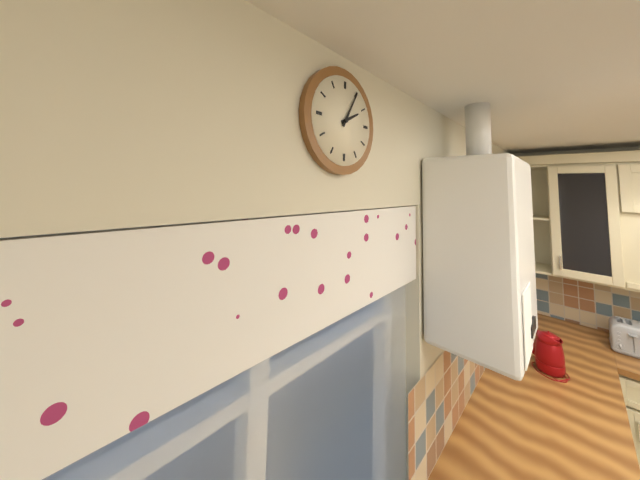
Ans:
2 h 05 min
